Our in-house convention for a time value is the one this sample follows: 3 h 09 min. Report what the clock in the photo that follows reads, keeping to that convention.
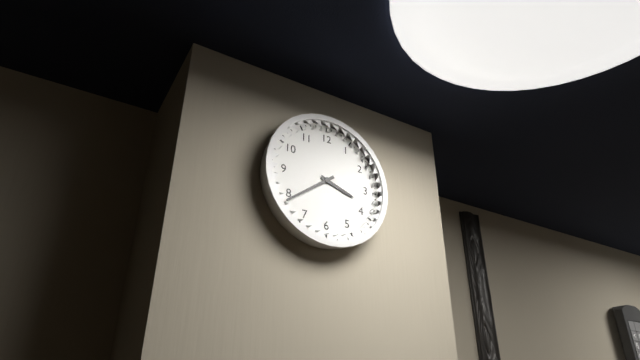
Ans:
3 h 39 min
